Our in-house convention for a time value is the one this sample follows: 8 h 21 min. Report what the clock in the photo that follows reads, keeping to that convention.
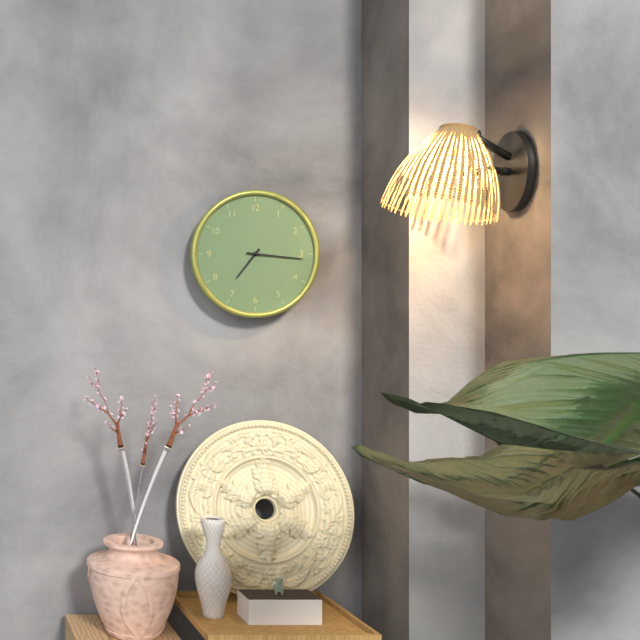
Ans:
7 h 16 min
